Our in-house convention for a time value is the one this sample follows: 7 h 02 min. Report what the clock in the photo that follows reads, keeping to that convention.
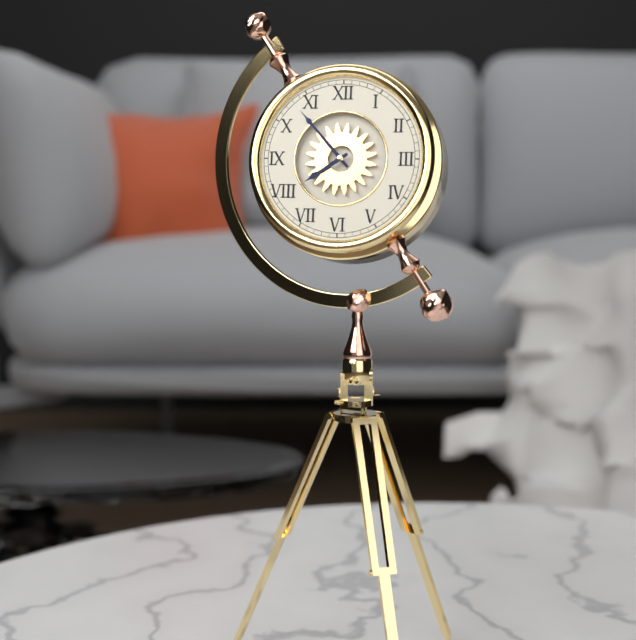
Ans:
7 h 53 min
